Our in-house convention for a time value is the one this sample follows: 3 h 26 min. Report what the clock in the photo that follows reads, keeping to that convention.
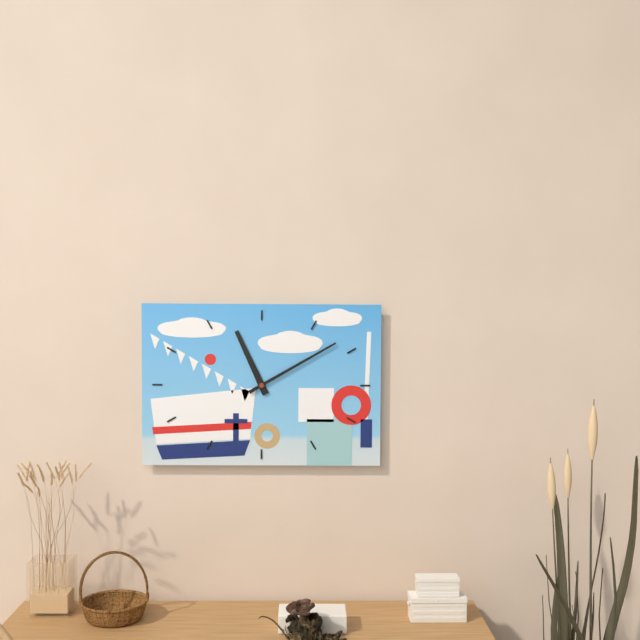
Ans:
11 h 10 min
